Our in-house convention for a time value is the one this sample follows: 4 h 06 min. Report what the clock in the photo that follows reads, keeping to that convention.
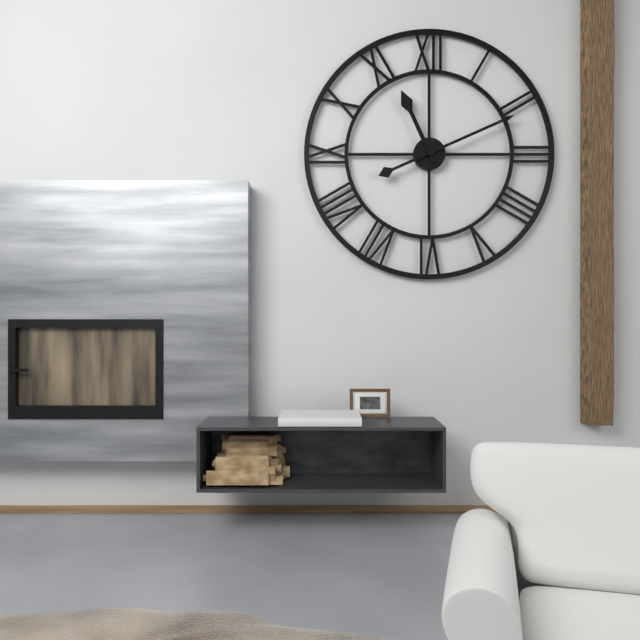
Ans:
11 h 11 min
